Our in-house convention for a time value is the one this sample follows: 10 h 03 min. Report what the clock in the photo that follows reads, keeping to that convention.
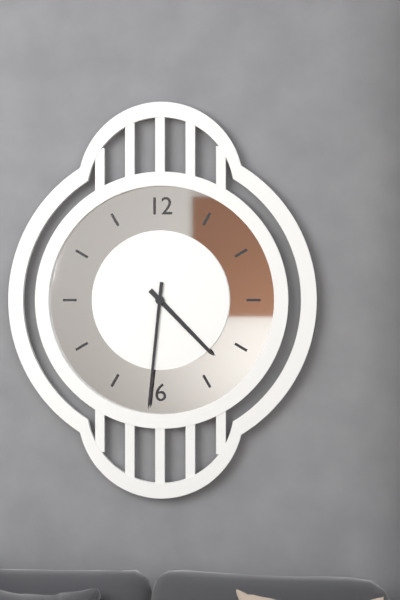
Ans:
4 h 31 min
